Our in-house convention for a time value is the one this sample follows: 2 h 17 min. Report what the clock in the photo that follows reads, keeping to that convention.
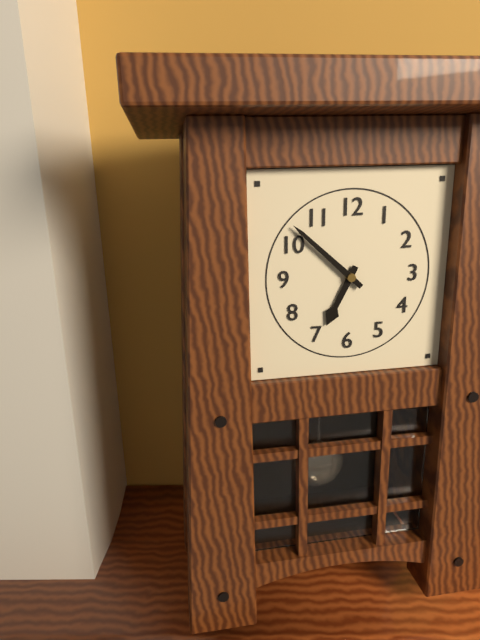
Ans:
6 h 52 min
